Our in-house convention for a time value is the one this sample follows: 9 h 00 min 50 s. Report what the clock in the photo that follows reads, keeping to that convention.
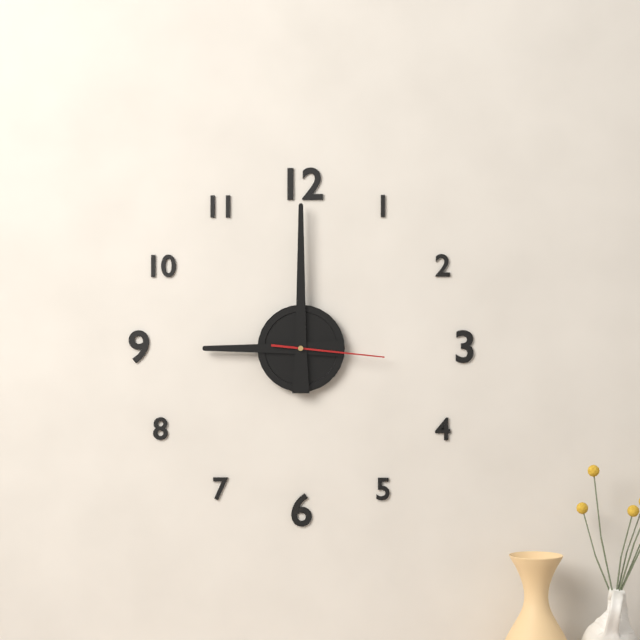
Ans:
9 h 00 min 16 s
